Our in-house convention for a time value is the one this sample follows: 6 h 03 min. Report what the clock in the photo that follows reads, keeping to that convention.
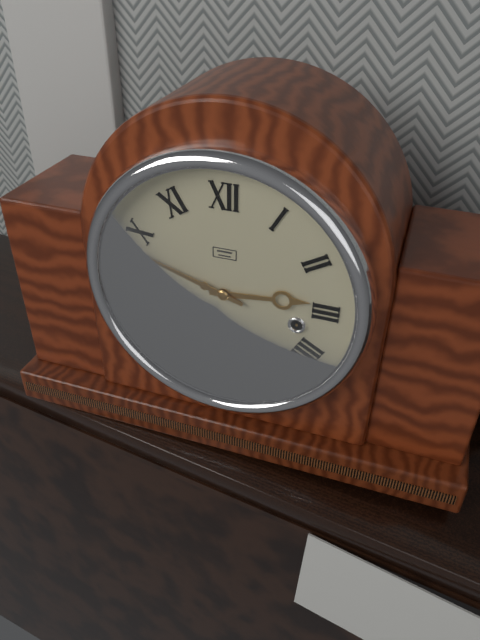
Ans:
2 h 48 min
